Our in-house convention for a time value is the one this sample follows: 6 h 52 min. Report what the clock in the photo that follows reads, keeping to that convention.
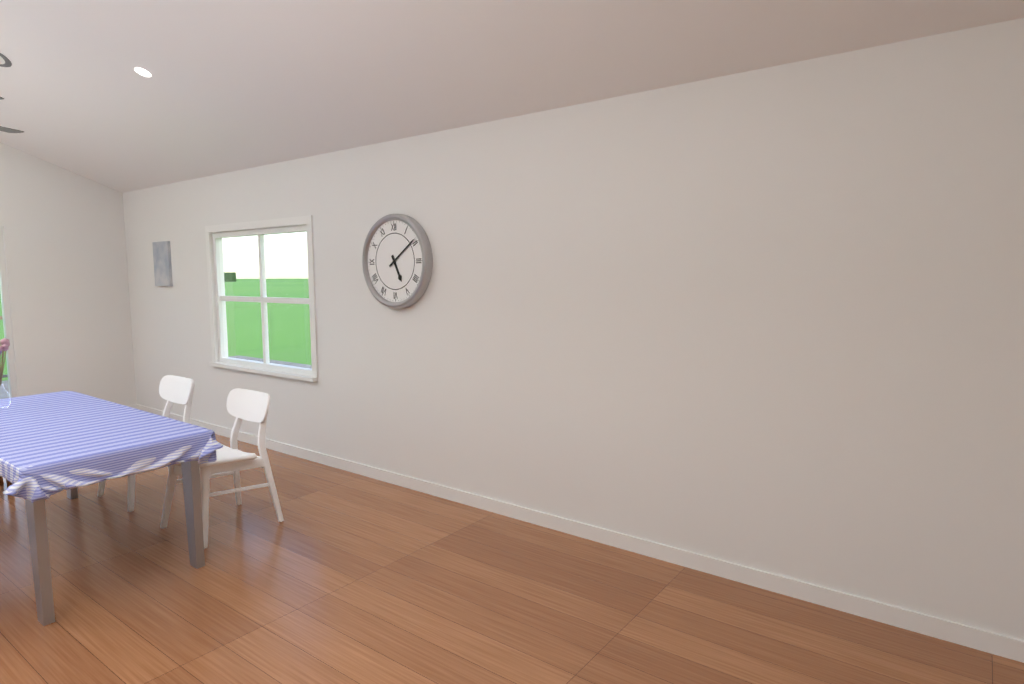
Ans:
5 h 09 min
